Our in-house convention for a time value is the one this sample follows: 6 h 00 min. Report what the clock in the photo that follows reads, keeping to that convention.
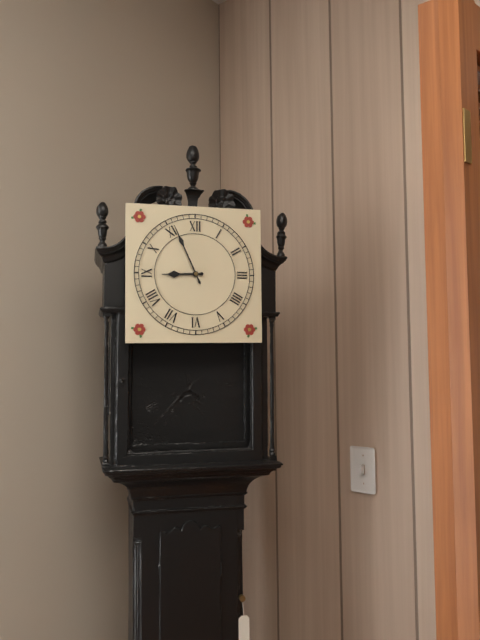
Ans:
8 h 56 min
